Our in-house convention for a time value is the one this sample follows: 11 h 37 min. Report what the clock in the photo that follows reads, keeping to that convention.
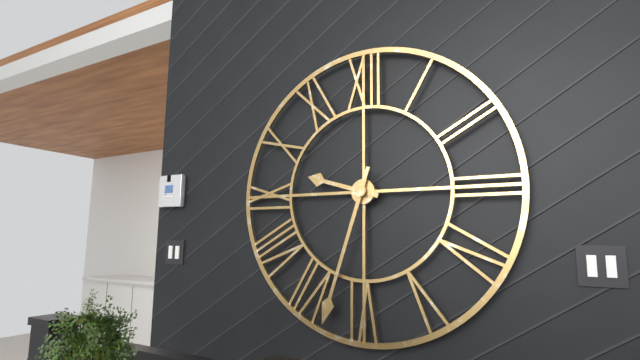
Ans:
9 h 33 min
